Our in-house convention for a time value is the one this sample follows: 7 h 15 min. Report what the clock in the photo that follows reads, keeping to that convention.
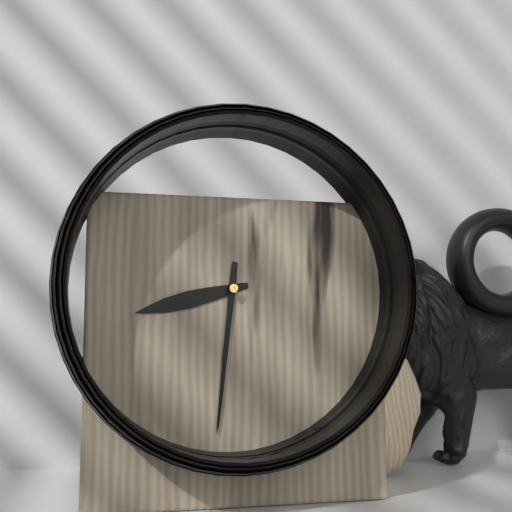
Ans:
8 h 31 min
